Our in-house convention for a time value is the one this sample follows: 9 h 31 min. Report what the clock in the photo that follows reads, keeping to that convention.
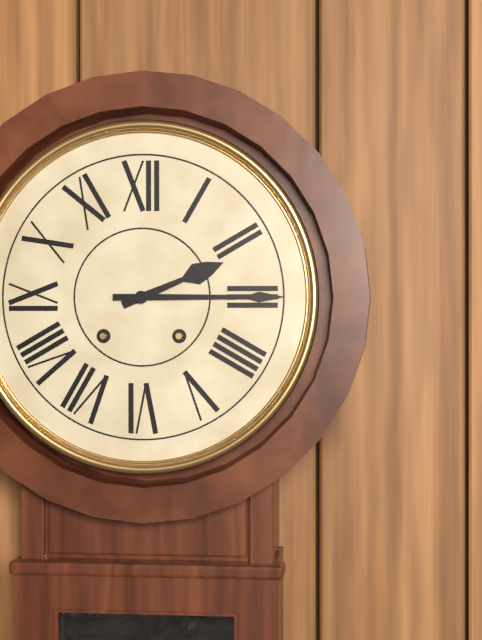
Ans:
2 h 15 min
